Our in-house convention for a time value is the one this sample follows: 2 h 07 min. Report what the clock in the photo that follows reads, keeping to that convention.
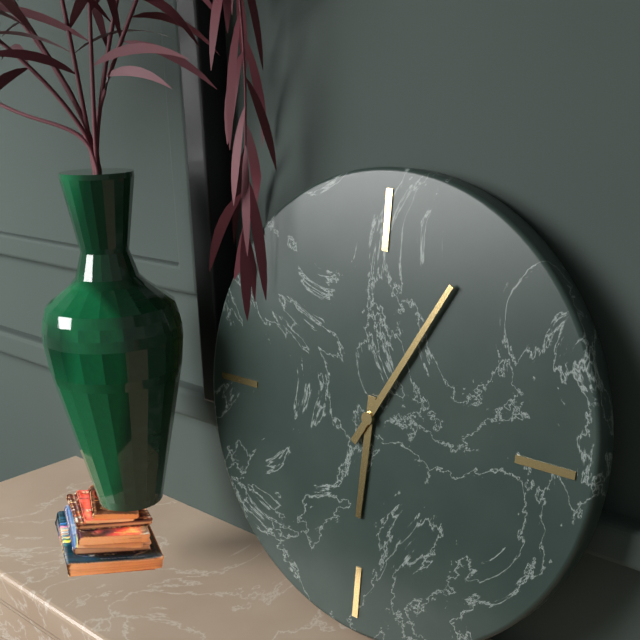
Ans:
6 h 05 min
